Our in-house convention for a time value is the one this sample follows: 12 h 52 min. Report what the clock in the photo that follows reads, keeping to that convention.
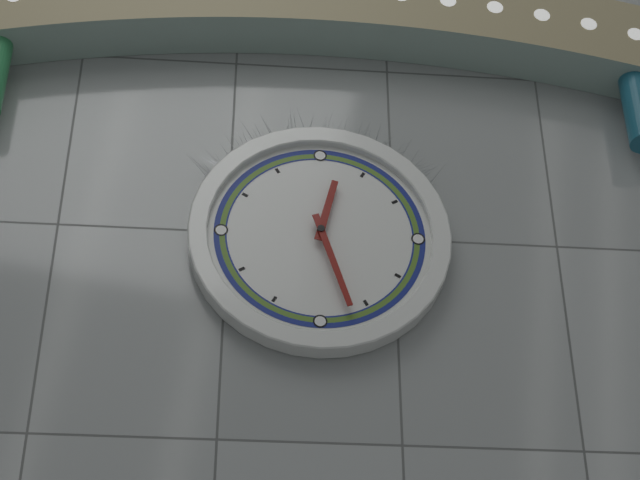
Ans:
12 h 27 min
